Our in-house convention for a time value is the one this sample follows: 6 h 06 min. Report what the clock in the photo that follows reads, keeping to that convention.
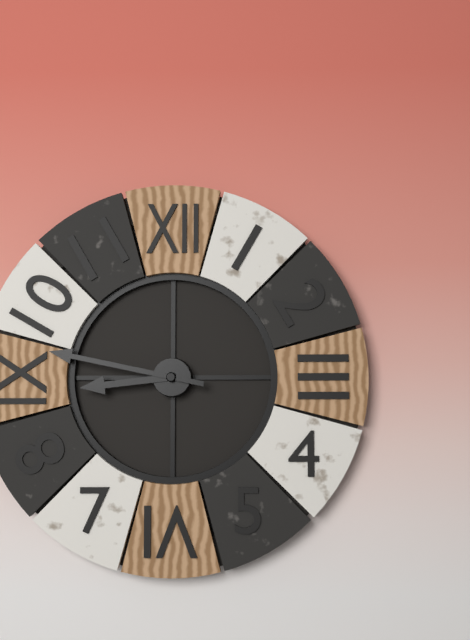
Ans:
8 h 47 min
